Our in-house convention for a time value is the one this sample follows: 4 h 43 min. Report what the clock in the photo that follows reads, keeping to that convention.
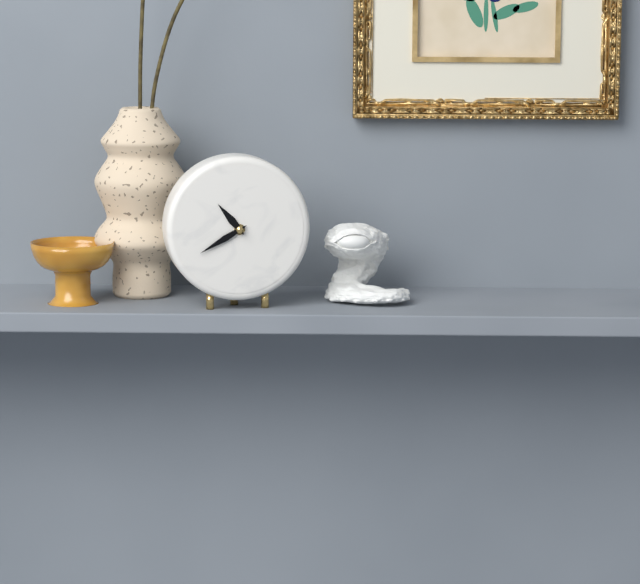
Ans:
10 h 40 min
